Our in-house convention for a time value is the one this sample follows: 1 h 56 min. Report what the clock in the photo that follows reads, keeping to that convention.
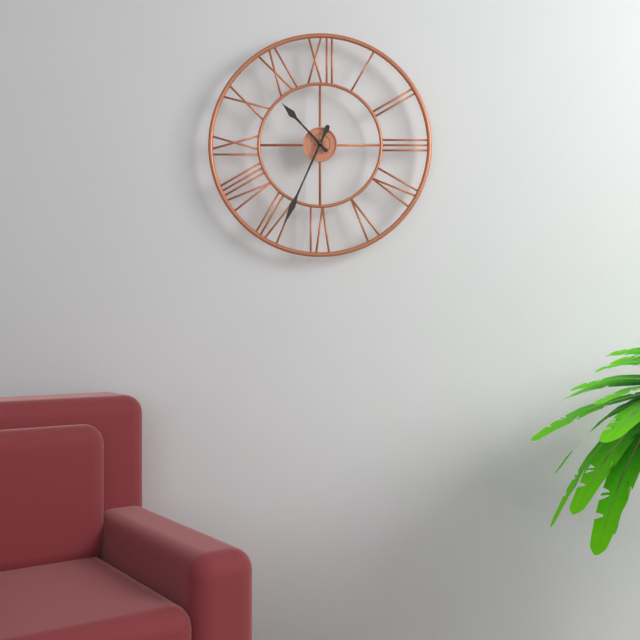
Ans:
10 h 34 min
